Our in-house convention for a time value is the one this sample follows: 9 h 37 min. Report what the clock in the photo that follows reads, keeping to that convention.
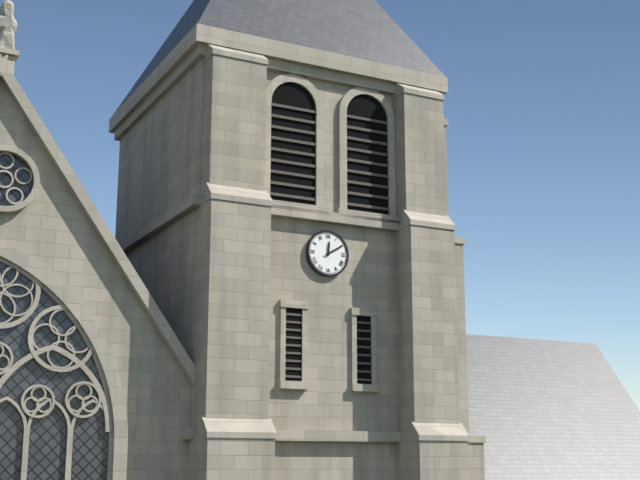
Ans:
12 h 10 min
